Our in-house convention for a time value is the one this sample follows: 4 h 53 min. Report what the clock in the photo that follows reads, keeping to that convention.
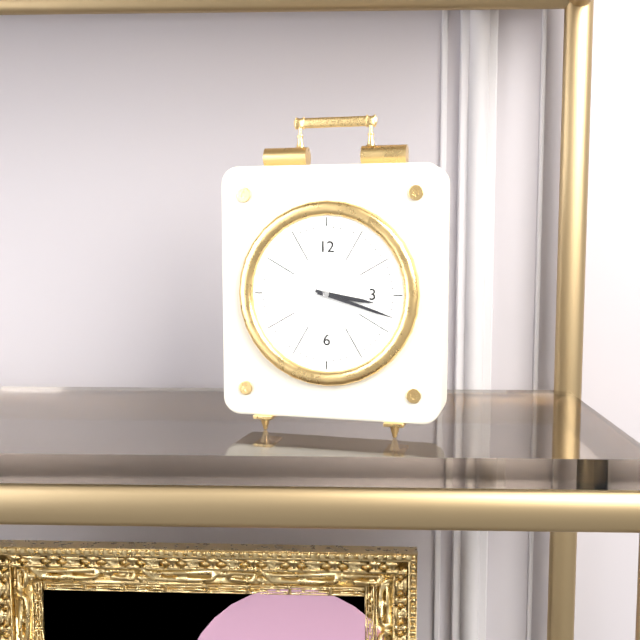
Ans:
3 h 18 min
